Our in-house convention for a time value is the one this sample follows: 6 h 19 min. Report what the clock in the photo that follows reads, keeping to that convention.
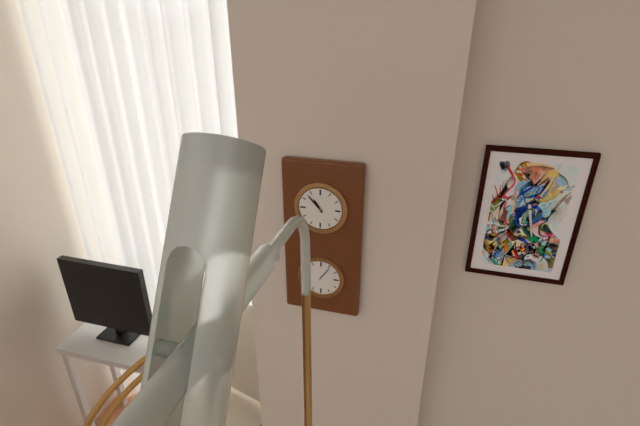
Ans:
10 h 53 min
